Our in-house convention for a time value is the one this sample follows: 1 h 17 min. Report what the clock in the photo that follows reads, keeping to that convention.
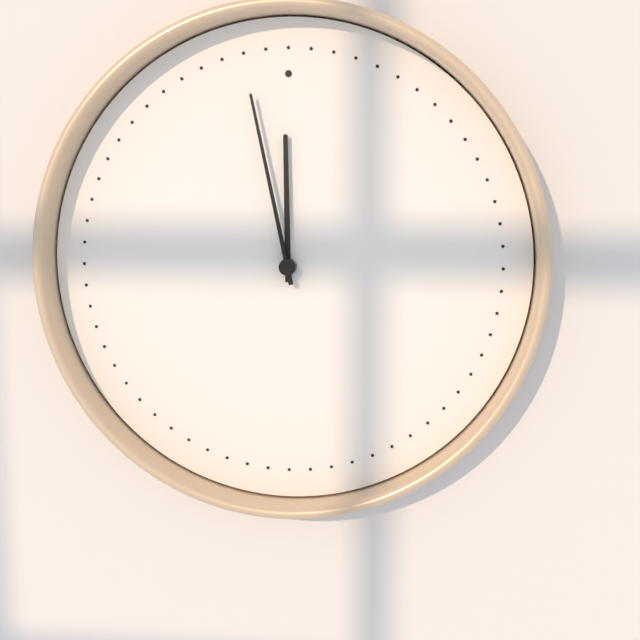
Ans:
11 h 58 min
